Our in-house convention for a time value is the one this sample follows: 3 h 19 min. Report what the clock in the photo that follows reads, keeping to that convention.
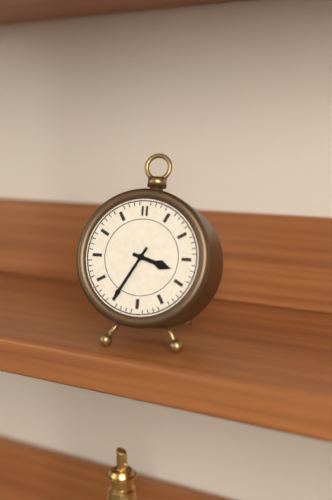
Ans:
3 h 35 min
